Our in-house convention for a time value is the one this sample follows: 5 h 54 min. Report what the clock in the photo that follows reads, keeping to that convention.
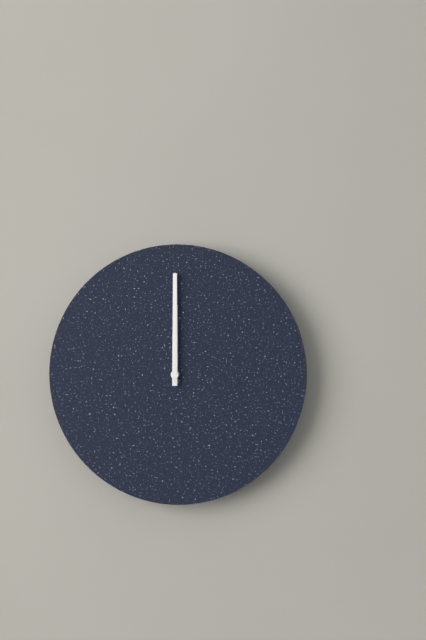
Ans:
12 h 00 min
